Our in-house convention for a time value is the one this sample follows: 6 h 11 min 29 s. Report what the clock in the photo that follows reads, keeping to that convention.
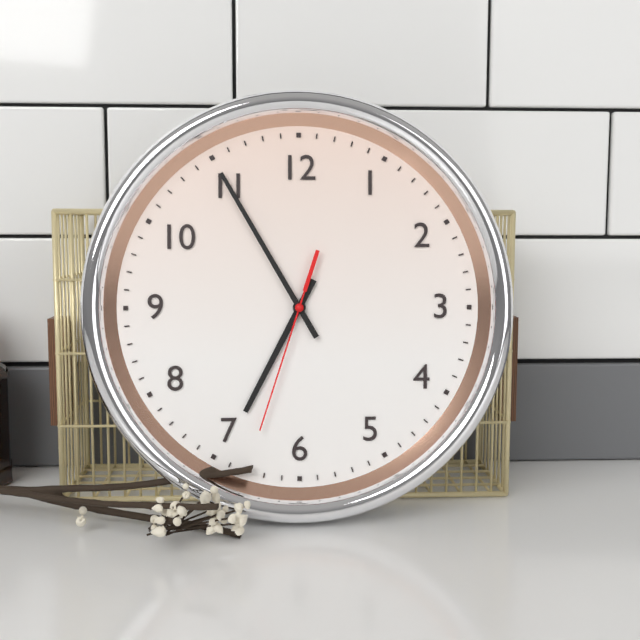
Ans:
6 h 55 min 33 s
